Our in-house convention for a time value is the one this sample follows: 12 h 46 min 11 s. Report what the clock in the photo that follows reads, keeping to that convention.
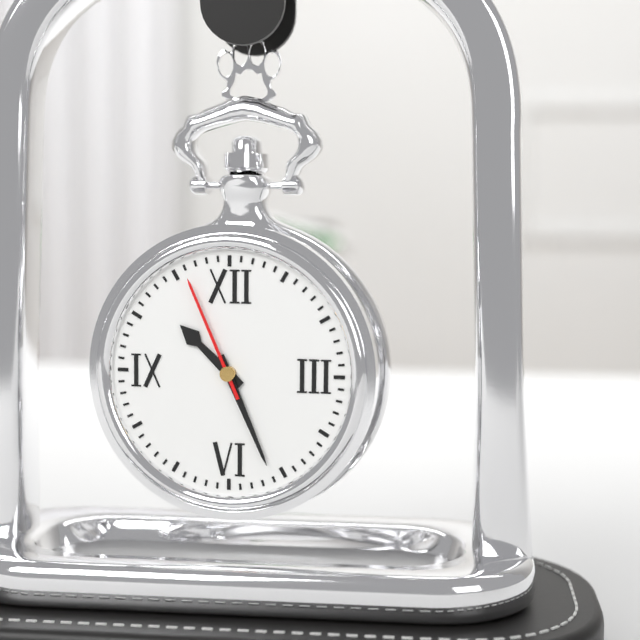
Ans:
10 h 26 min 56 s
